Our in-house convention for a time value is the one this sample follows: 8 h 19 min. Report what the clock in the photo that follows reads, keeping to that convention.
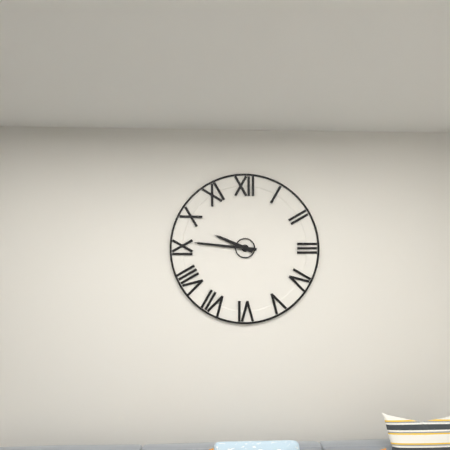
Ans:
9 h 46 min
